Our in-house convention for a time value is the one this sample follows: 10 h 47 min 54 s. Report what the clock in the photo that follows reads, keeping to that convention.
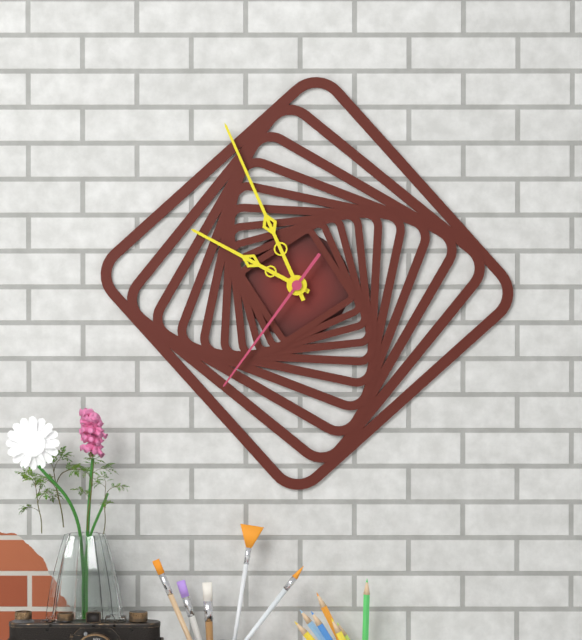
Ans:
9 h 56 min 36 s
